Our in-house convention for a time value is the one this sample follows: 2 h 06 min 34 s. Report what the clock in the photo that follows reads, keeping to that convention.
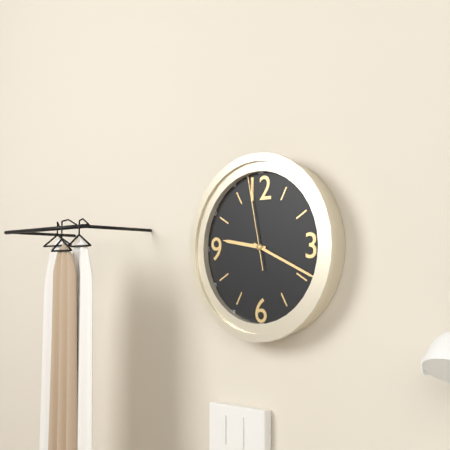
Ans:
9 h 19 min 58 s
